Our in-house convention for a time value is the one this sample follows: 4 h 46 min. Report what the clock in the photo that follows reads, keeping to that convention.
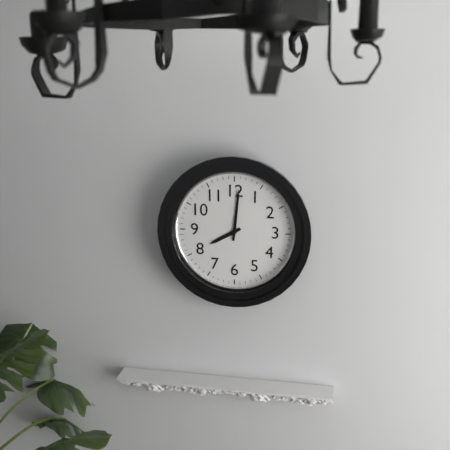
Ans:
8 h 01 min
